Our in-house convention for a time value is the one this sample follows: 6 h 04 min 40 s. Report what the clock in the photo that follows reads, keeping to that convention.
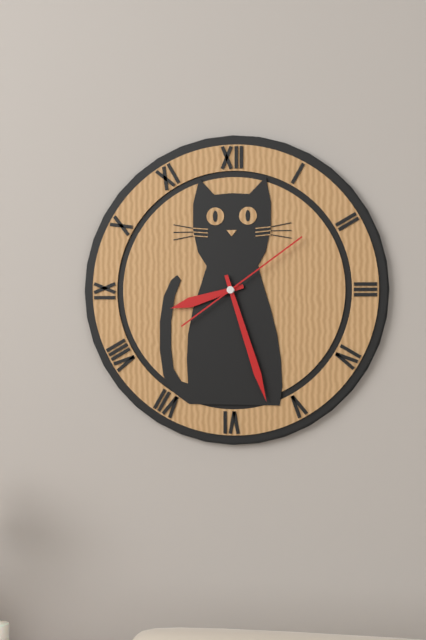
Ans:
8 h 27 min 09 s
